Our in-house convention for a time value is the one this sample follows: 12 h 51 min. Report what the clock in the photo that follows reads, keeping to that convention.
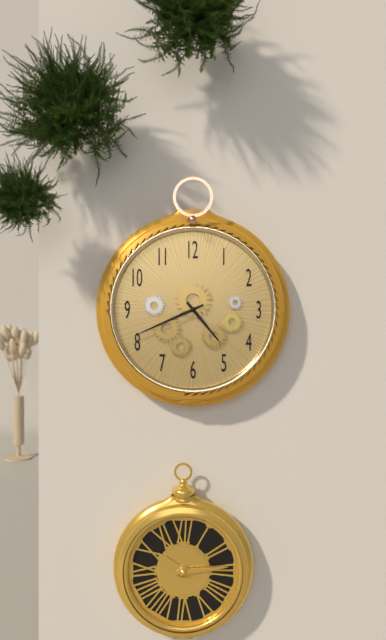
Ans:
4 h 41 min
